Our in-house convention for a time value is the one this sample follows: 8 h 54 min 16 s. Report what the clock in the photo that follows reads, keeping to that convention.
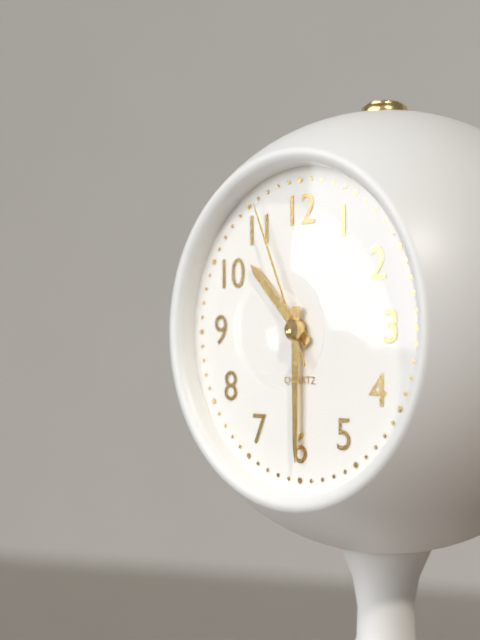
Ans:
10 h 30 min 56 s
